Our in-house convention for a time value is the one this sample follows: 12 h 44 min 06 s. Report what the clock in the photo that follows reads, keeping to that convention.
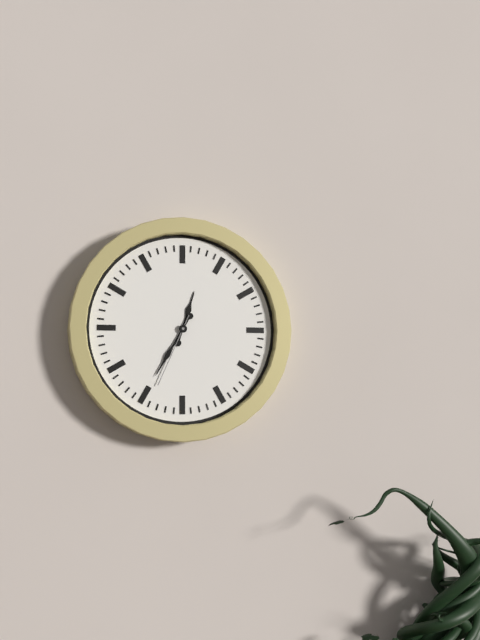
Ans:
12 h 35 min 34 s
